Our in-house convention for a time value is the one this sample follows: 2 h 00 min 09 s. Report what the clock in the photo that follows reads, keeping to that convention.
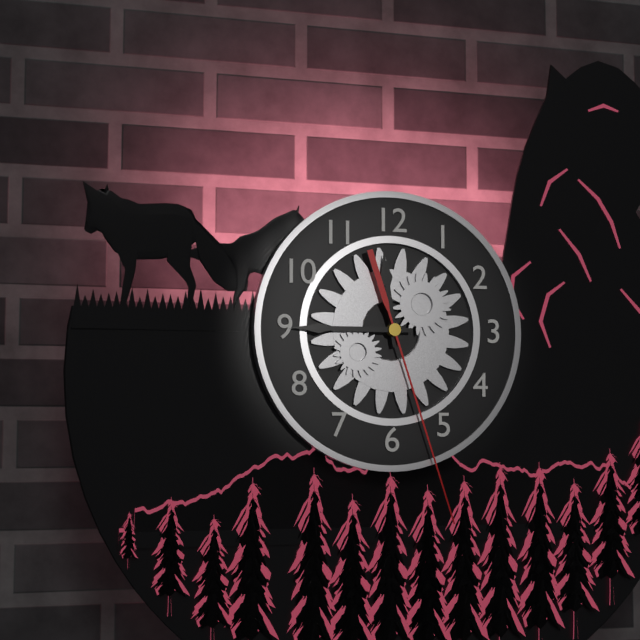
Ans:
11 h 45 min 27 s
